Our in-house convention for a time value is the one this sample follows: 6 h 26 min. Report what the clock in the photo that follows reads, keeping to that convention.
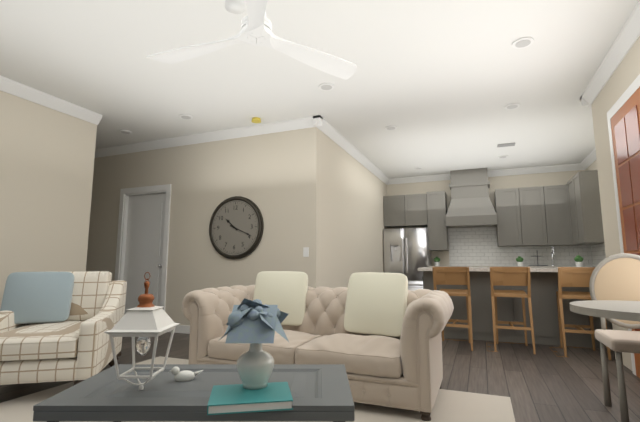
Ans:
10 h 19 min
